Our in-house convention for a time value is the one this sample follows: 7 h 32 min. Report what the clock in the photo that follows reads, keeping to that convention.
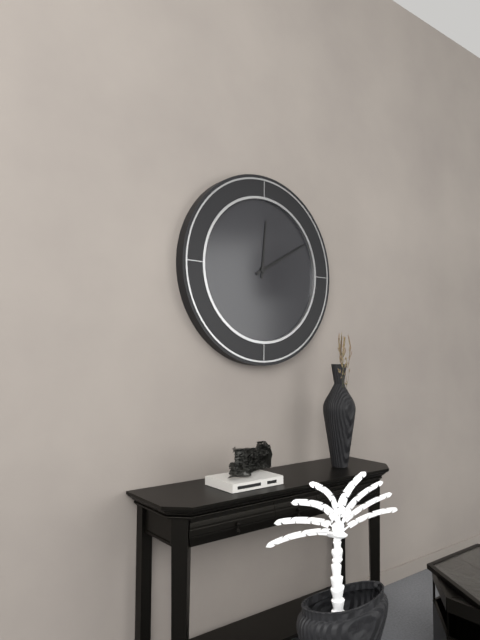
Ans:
12 h 10 min
